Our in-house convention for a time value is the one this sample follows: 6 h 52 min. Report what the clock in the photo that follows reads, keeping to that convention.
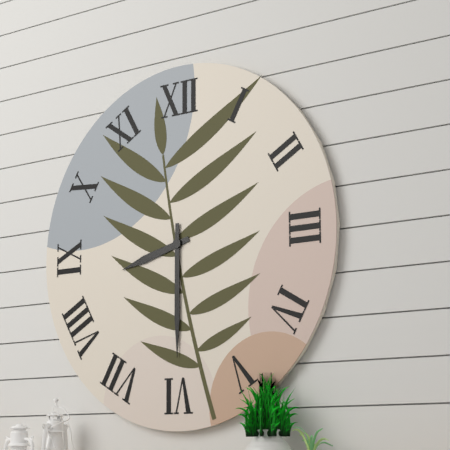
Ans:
8 h 30 min
